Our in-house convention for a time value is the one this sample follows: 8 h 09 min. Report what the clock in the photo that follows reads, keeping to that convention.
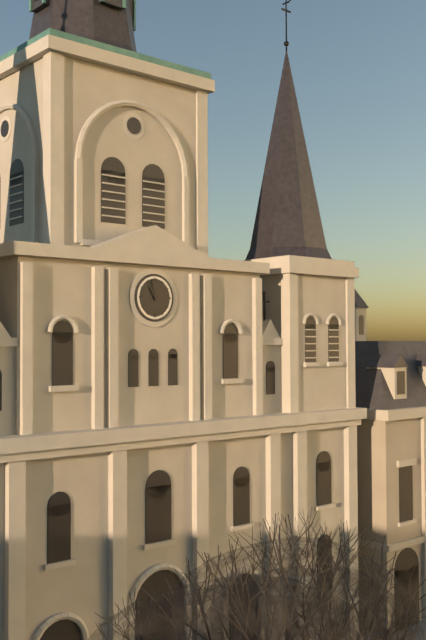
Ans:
10 h 58 min
